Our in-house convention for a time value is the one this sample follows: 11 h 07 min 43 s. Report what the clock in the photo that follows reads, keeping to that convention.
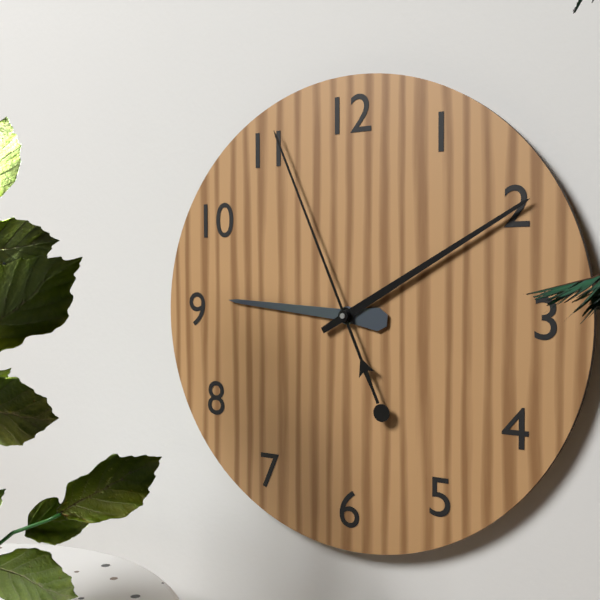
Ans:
9 h 10 min 56 s
